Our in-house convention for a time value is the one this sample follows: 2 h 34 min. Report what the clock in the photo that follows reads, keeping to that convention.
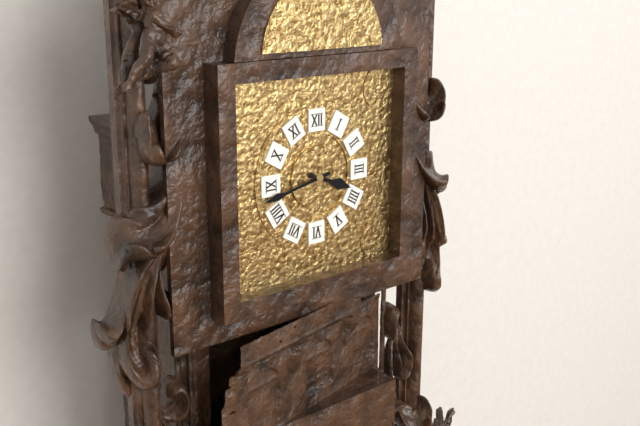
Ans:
3 h 43 min
